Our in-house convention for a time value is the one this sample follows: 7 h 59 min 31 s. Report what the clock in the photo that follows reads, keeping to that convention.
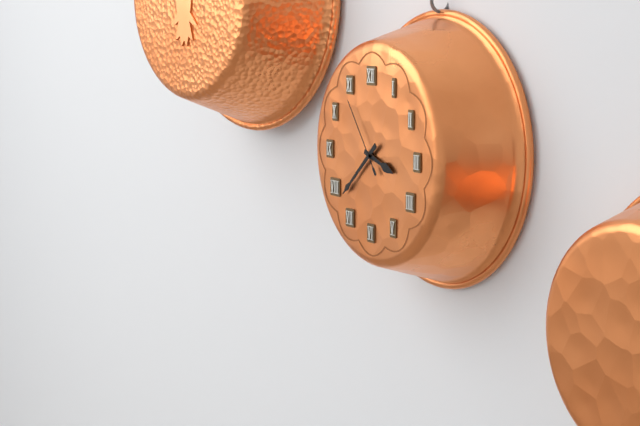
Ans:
3 h 38 min 54 s
